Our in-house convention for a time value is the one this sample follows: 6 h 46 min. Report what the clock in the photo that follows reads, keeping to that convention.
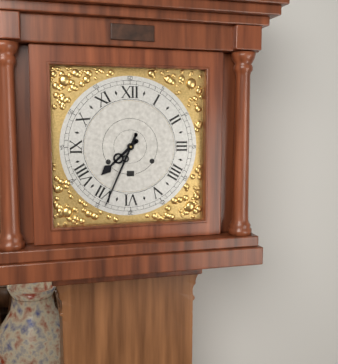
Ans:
7 h 34 min
